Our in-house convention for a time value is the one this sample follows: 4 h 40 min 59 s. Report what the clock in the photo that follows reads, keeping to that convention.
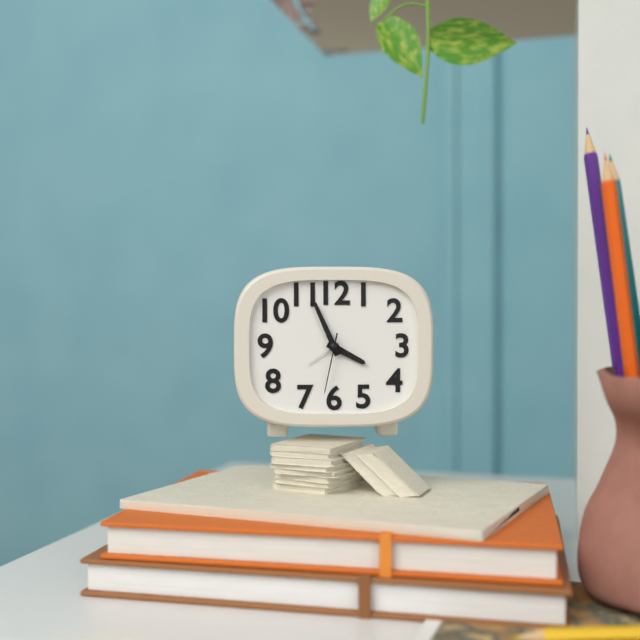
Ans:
3 h 56 min 32 s
